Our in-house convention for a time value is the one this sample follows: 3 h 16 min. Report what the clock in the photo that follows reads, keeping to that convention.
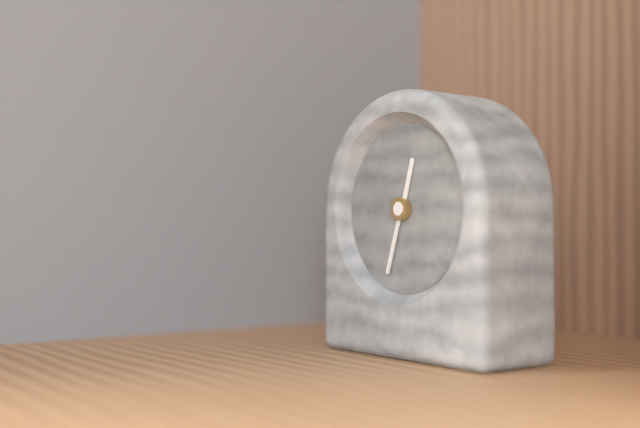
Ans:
12 h 33 min
